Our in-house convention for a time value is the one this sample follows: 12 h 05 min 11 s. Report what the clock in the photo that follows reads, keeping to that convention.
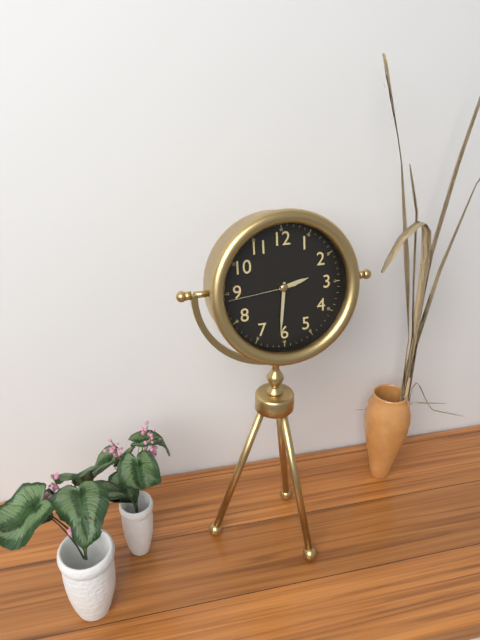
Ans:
2 h 31 min 44 s
